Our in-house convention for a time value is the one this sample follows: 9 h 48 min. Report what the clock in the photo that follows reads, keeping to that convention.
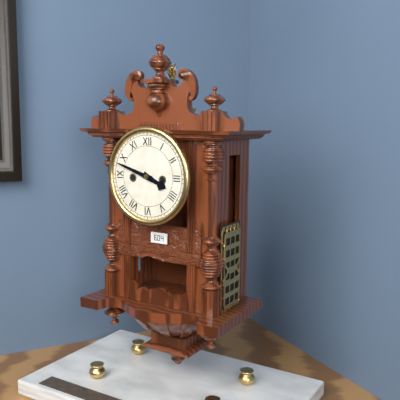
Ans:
3 h 48 min
